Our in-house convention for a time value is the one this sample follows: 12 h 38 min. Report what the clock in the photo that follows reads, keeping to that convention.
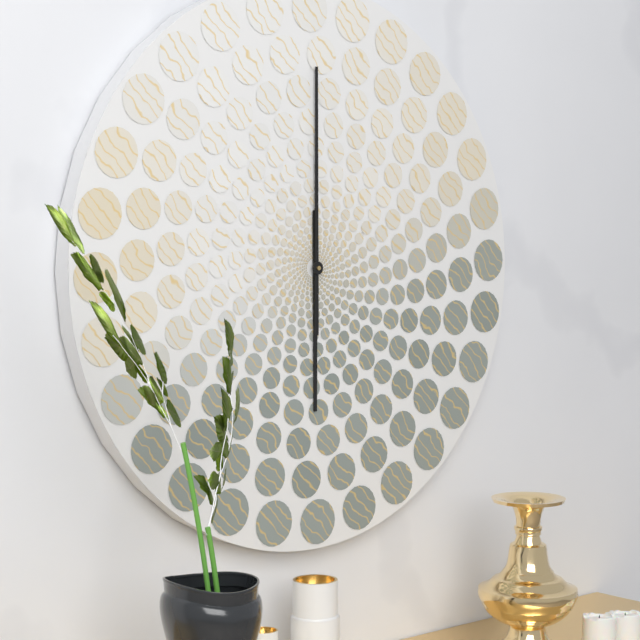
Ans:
6 h 00 min
